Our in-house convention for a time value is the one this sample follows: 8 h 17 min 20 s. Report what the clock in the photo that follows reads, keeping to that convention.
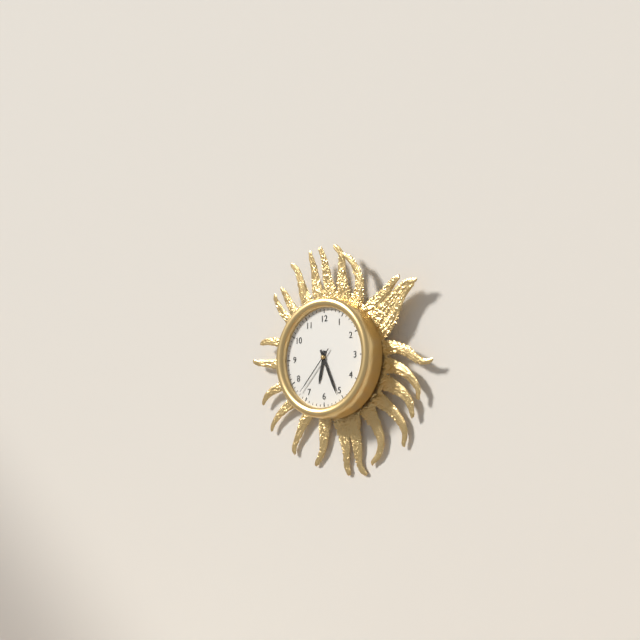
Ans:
6 h 26 min 37 s
